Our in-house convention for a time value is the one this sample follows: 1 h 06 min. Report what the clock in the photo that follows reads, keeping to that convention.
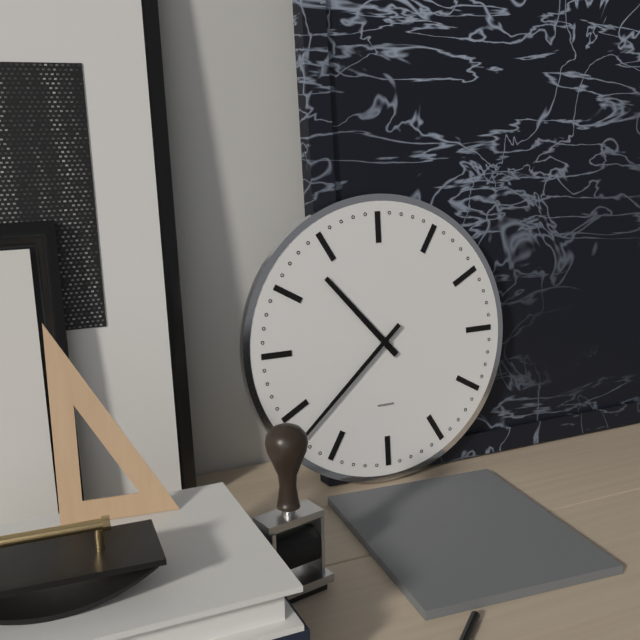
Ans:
10 h 38 min
